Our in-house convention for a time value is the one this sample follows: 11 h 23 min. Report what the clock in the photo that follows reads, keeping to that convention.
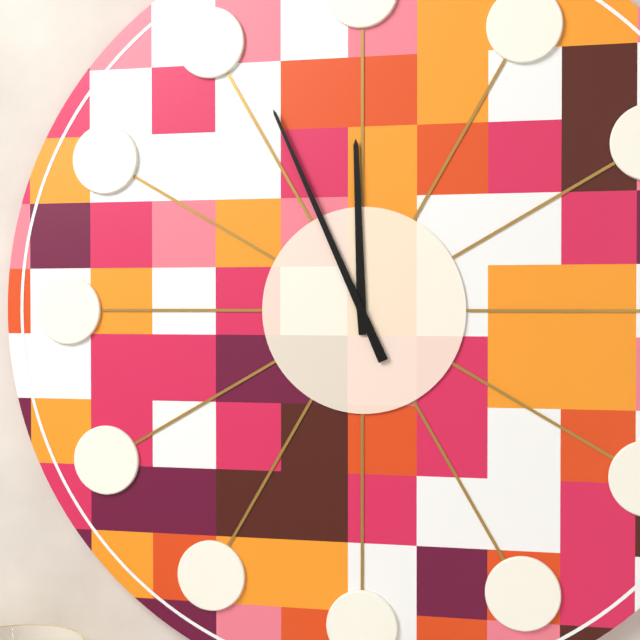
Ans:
11 h 56 min
